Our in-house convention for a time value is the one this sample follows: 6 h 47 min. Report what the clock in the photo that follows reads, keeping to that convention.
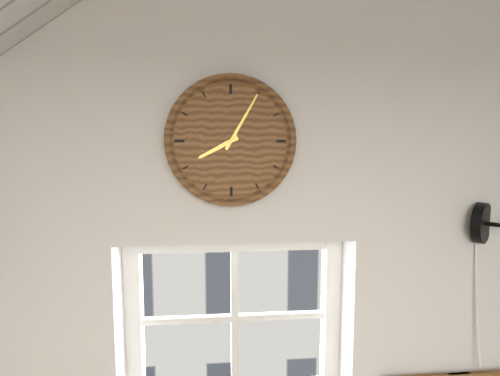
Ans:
8 h 05 min
